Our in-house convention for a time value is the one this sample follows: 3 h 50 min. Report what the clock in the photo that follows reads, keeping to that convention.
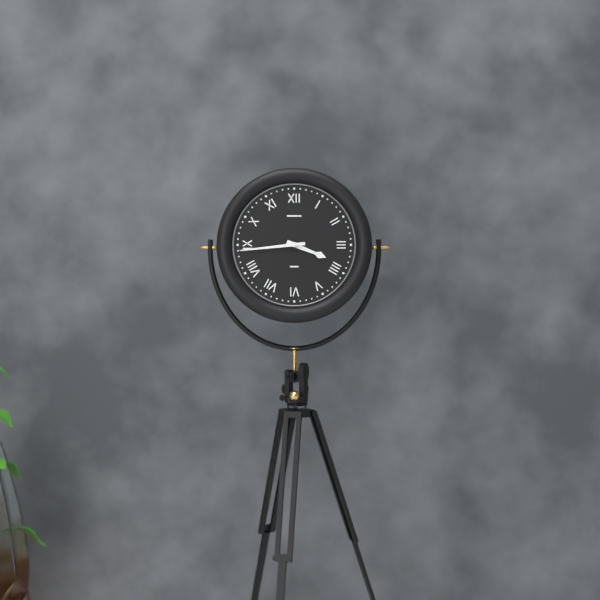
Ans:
3 h 44 min
